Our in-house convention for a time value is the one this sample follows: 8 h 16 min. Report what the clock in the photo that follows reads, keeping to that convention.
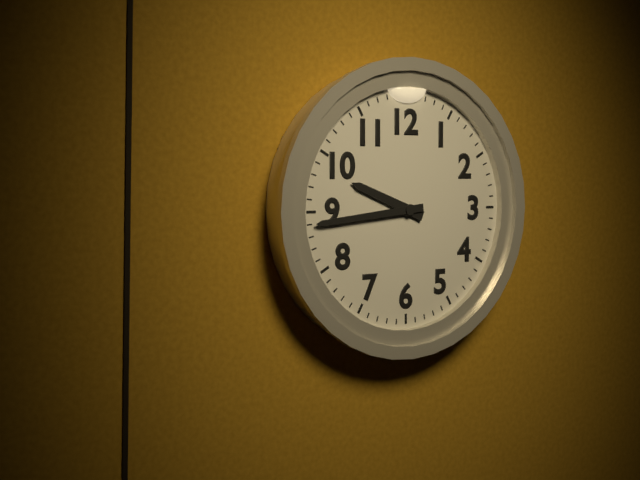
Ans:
9 h 44 min
